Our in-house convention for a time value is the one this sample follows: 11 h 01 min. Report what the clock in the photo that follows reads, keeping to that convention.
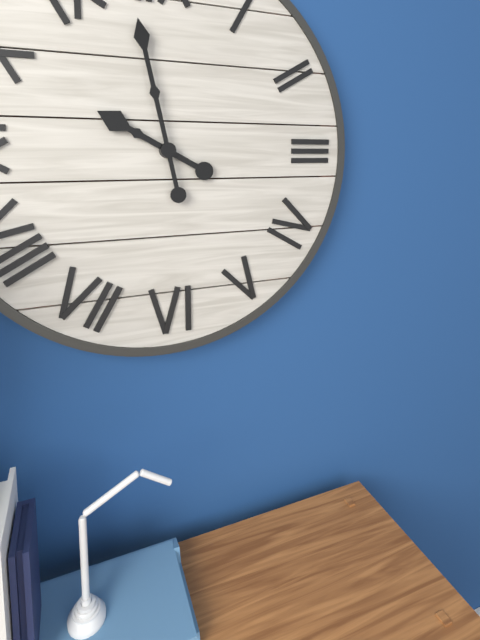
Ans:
9 h 58 min
